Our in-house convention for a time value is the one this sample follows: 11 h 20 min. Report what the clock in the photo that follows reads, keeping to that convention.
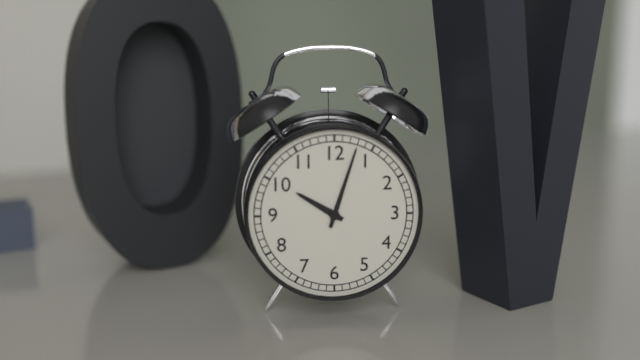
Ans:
10 h 03 min
